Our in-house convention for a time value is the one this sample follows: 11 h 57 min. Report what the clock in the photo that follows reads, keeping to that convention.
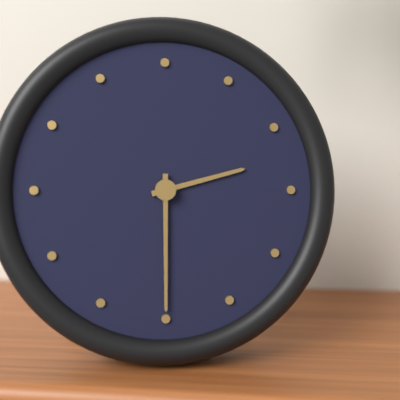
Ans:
2 h 30 min
